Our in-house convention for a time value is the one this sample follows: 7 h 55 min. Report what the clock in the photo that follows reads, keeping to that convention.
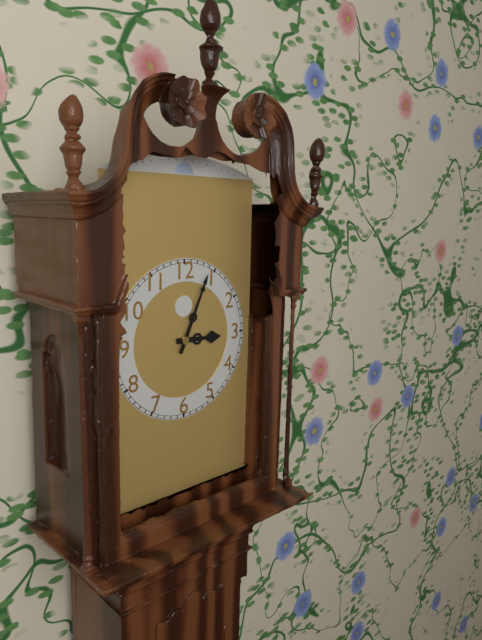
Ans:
3 h 04 min
